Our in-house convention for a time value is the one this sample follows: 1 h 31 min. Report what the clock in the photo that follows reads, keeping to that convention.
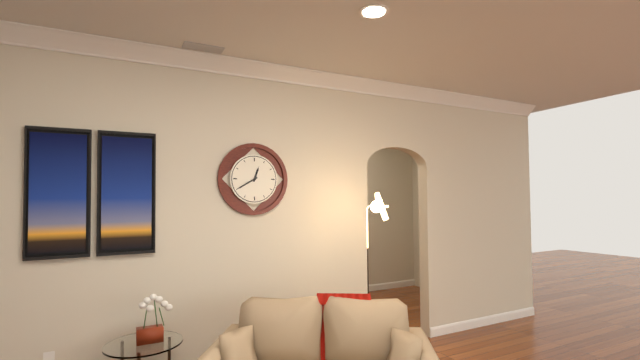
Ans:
12 h 40 min
